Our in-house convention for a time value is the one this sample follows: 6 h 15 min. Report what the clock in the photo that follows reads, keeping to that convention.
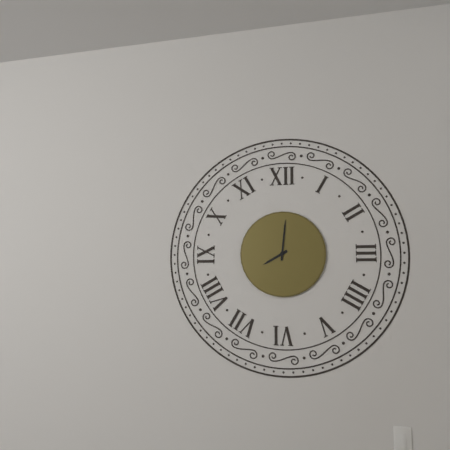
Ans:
8 h 01 min
